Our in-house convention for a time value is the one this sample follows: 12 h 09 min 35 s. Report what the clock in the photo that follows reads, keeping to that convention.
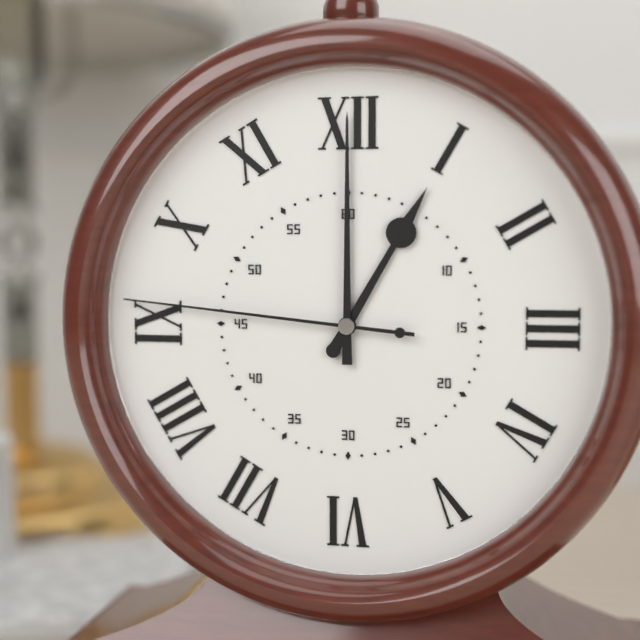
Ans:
1 h 00 min 46 s
